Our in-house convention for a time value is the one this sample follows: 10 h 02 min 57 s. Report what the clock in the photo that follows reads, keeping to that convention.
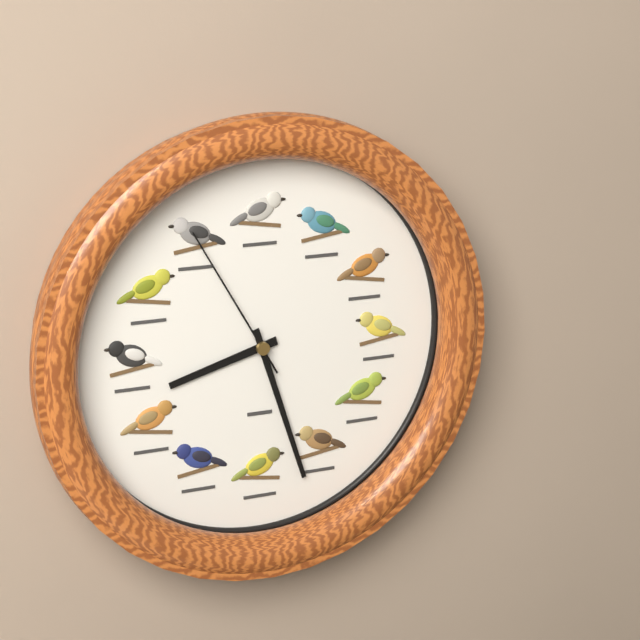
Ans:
8 h 27 min 55 s
